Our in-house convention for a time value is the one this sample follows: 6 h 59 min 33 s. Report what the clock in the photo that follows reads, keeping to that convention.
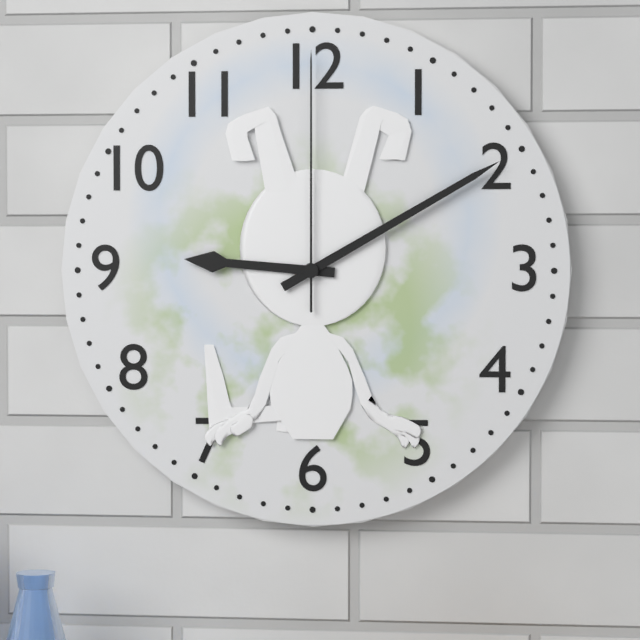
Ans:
9 h 10 min 00 s
